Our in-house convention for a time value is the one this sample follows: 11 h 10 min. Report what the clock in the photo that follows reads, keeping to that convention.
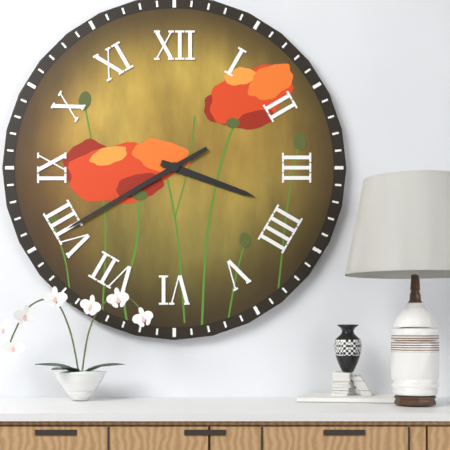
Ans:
3 h 40 min
